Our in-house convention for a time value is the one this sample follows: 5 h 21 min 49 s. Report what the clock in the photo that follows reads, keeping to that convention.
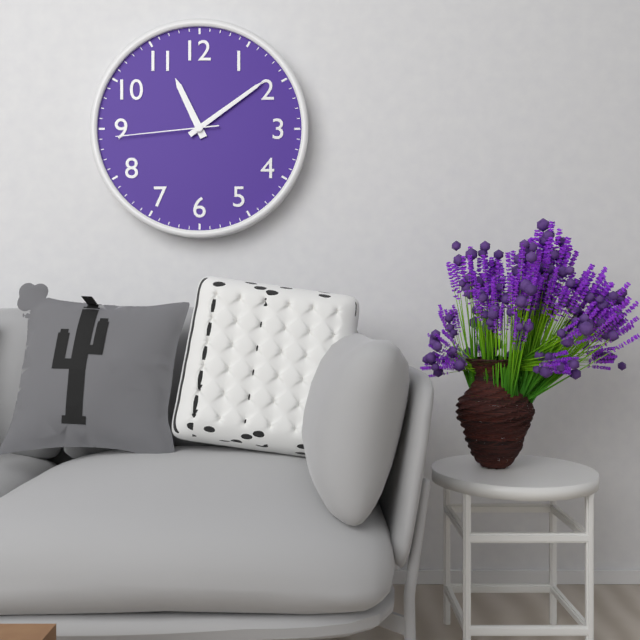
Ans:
11 h 09 min 44 s
